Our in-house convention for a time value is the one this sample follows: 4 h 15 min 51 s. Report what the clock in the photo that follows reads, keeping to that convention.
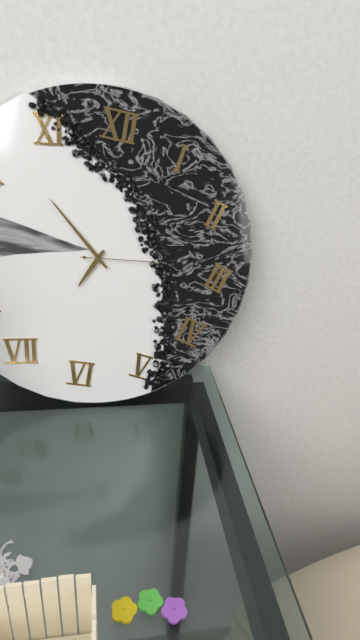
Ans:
6 h 52 min 14 s
